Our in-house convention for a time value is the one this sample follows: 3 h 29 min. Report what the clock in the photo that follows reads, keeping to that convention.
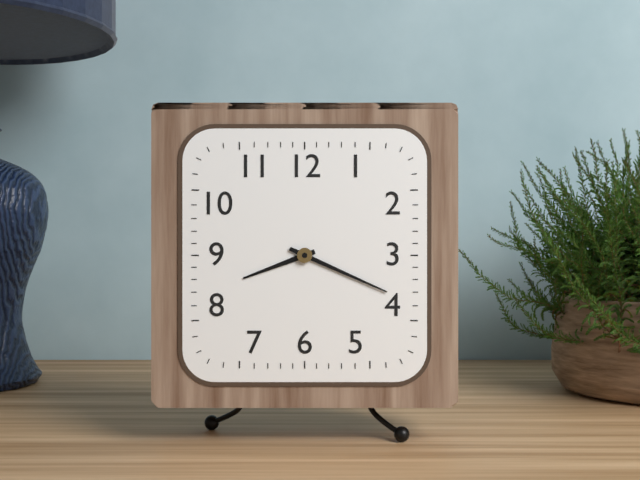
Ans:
8 h 19 min
